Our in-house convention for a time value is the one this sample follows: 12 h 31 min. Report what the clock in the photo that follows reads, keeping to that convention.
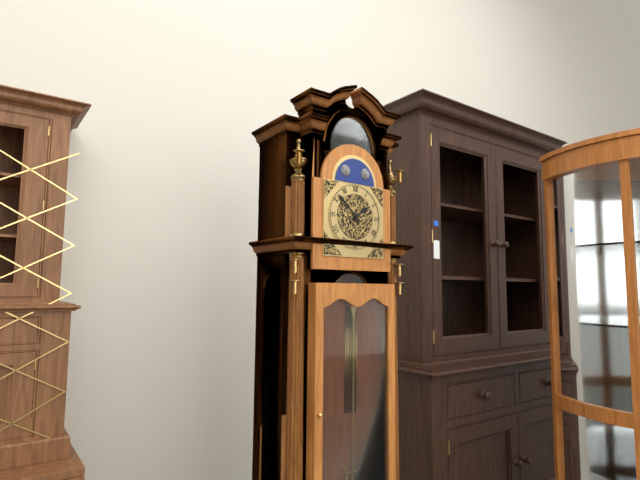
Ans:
1 h 52 min
